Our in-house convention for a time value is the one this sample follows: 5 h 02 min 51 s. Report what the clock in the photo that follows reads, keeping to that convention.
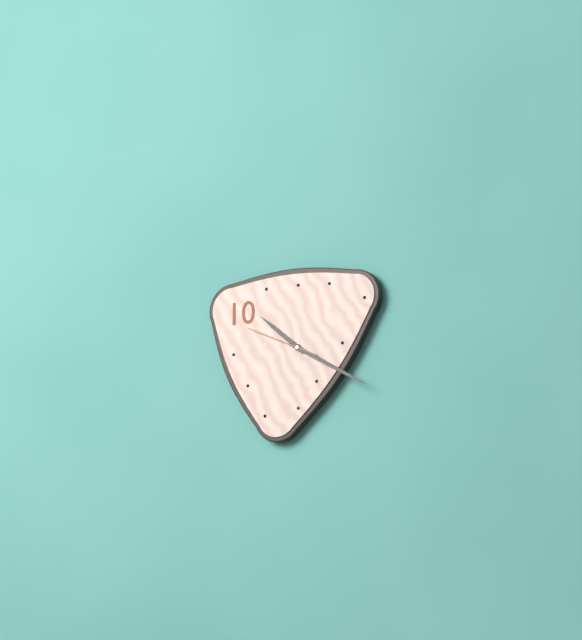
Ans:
10 h 20 min 49 s
